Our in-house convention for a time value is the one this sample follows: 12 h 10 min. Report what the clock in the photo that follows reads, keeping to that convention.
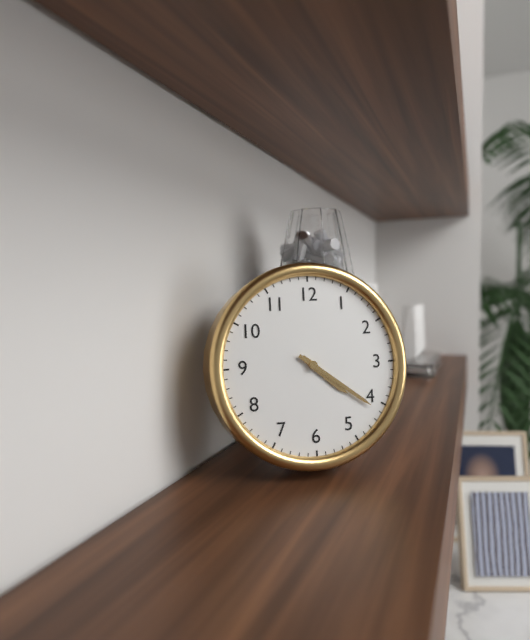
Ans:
4 h 21 min
